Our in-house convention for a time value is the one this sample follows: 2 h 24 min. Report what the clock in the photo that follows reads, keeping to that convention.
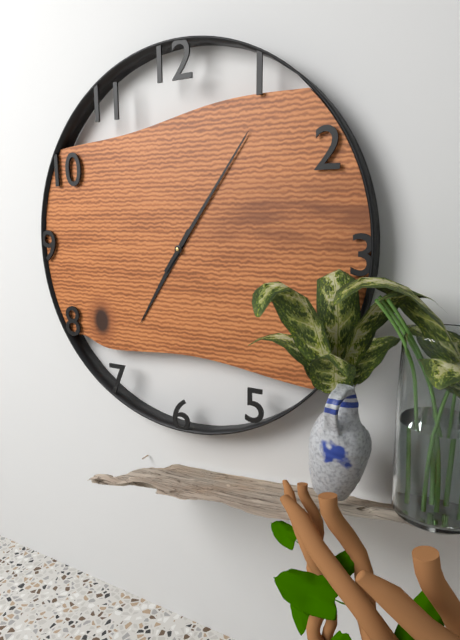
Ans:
7 h 06 min
